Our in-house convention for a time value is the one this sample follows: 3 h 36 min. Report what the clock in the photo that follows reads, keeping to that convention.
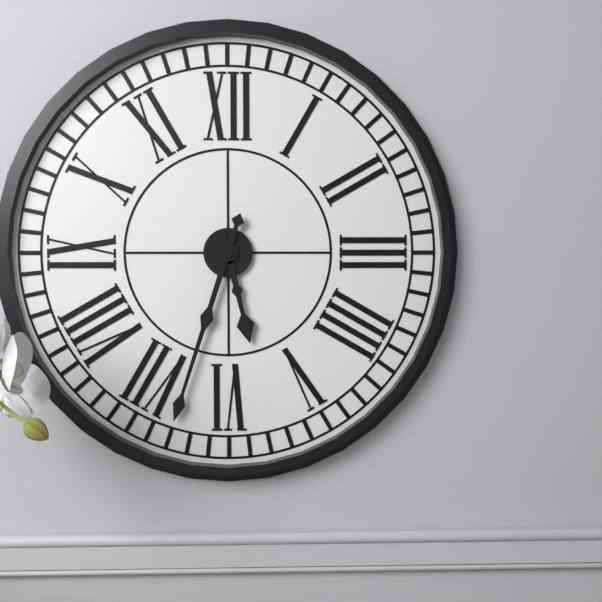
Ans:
5 h 33 min
